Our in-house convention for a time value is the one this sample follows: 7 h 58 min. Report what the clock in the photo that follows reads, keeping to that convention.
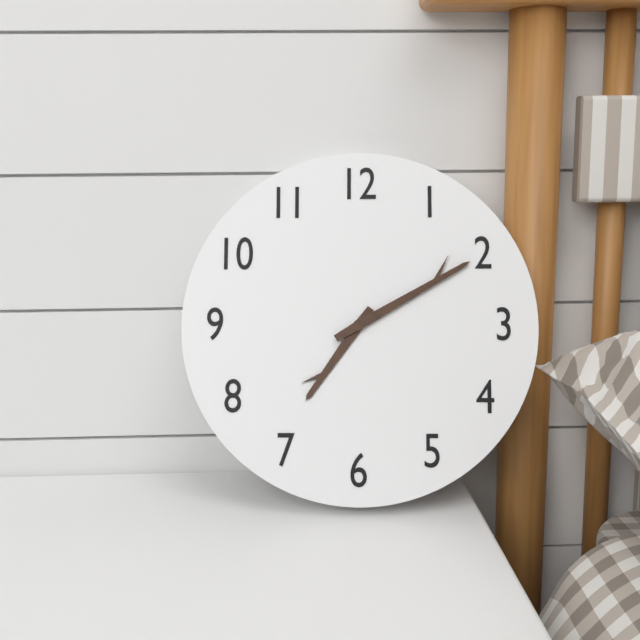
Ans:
7 h 10 min
